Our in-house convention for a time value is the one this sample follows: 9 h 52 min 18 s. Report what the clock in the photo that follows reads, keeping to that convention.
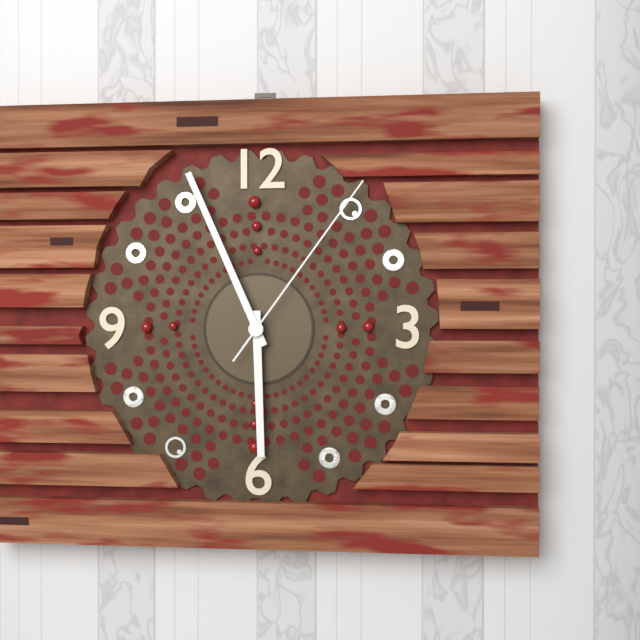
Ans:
5 h 56 min 06 s
